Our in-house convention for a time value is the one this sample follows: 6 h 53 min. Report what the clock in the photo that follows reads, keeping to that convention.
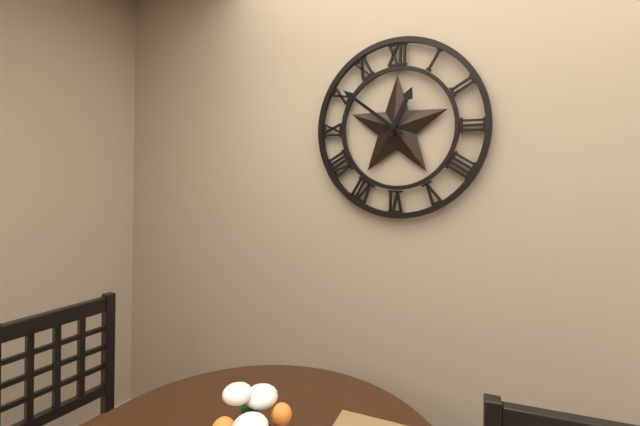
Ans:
12 h 51 min
